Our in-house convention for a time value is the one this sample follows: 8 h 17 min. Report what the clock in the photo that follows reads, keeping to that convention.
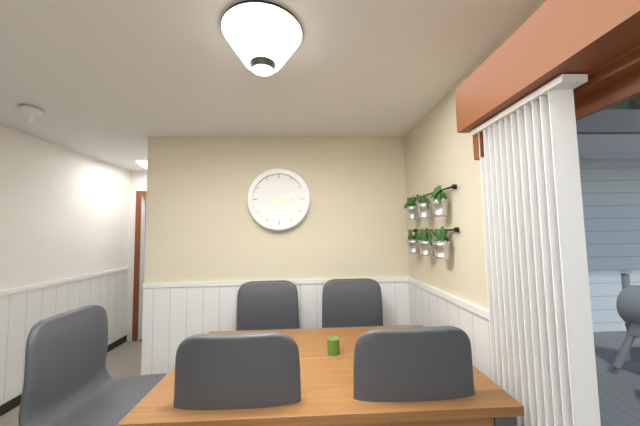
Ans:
2 h 15 min
